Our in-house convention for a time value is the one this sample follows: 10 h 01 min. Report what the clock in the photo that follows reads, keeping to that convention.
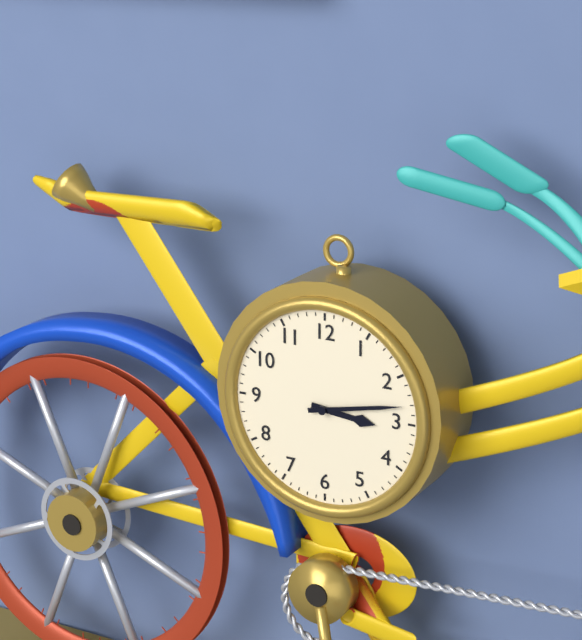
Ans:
3 h 13 min
